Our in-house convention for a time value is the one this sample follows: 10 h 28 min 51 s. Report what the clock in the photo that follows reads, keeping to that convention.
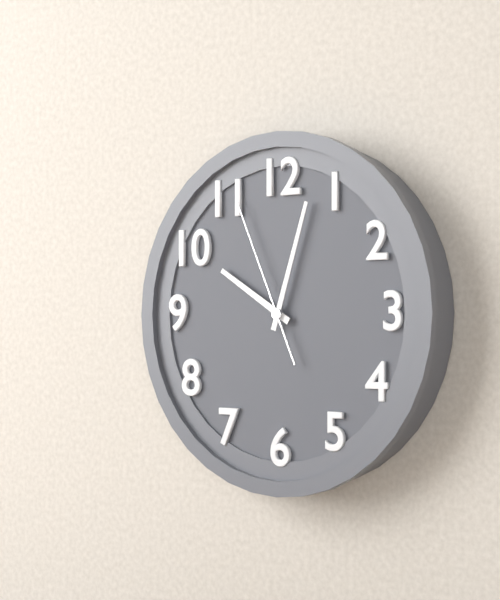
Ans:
10 h 03 min 56 s
